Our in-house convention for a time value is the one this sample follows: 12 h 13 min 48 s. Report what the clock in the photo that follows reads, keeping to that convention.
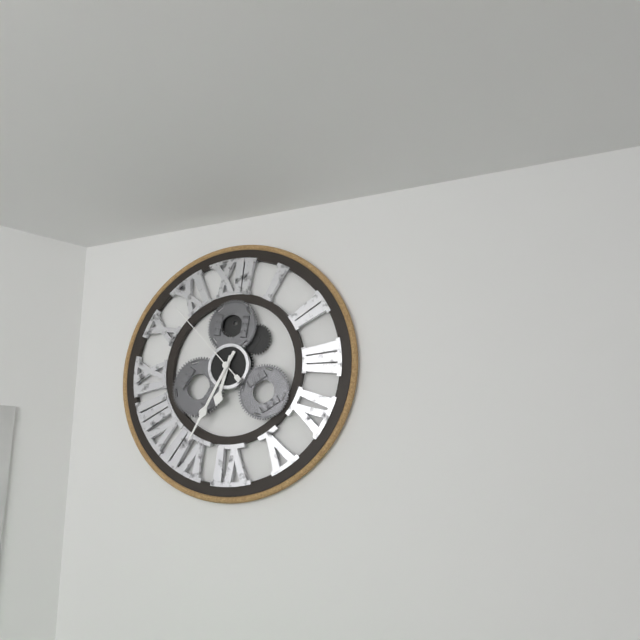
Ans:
6 h 35 min 53 s
